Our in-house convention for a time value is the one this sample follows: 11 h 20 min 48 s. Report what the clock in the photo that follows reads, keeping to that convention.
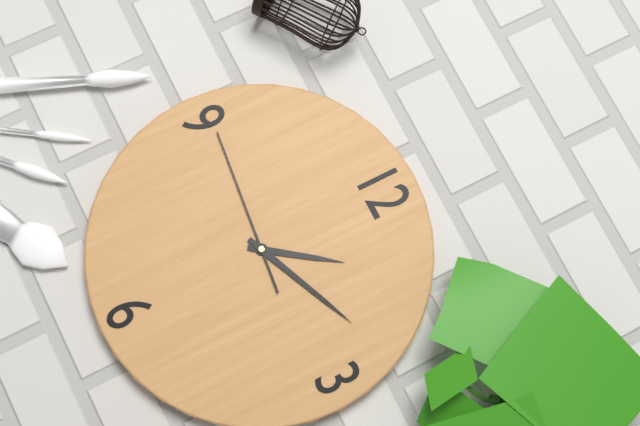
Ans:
1 h 11 min 46 s
